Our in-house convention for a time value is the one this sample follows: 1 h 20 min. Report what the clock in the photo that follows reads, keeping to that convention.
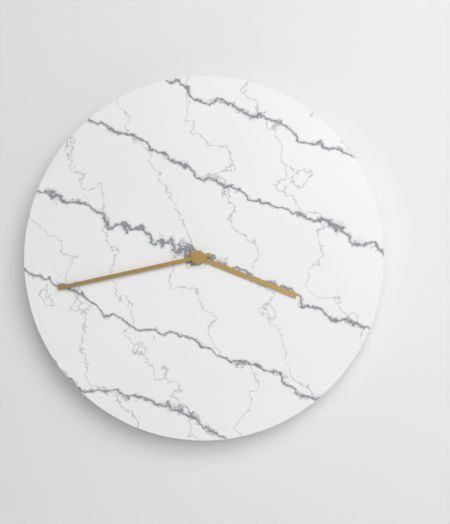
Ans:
3 h 43 min
